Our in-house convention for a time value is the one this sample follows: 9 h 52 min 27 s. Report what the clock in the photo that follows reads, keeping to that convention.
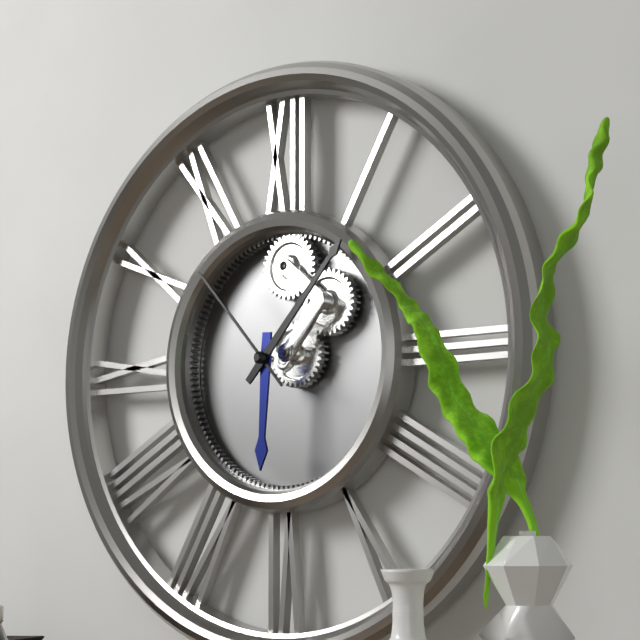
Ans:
6 h 07 min 53 s
